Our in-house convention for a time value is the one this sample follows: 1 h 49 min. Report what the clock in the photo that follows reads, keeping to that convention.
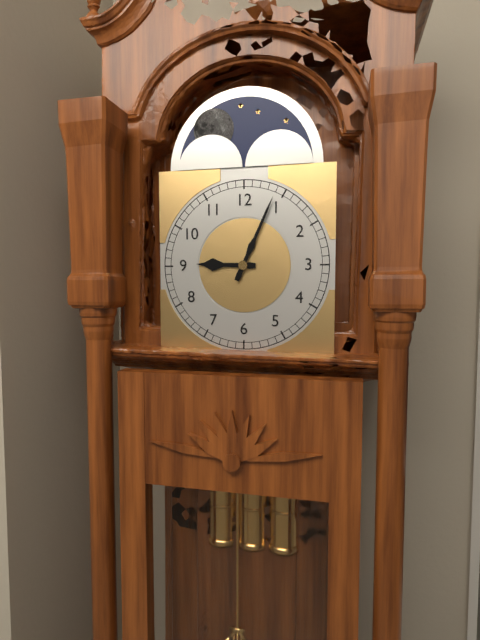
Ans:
9 h 04 min
